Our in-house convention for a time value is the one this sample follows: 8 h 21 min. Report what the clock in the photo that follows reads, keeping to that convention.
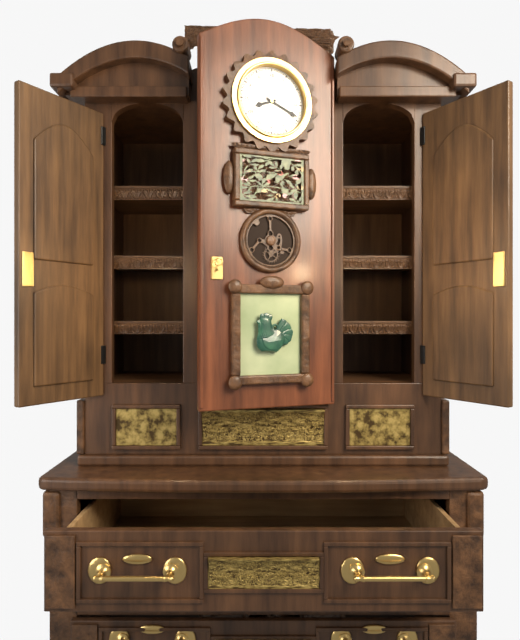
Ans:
8 h 19 min
